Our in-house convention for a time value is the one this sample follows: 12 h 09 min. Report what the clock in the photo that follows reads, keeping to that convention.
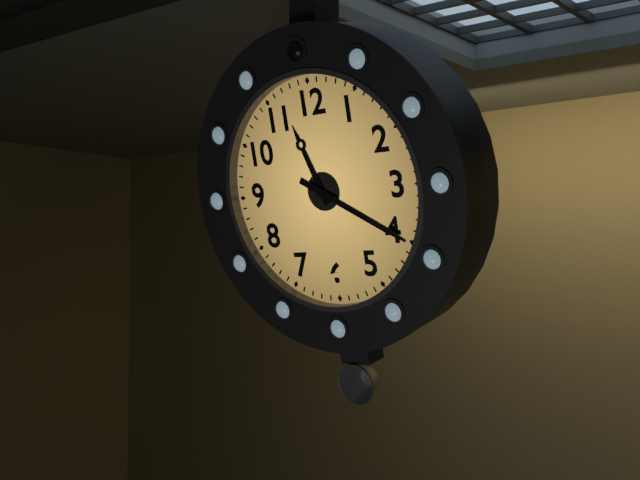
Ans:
11 h 20 min
